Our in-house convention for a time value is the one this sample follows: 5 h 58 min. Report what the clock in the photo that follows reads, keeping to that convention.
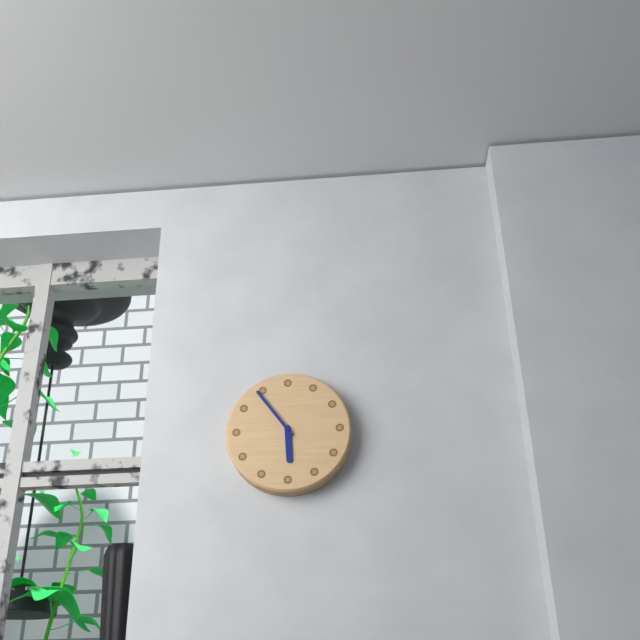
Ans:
5 h 54 min
